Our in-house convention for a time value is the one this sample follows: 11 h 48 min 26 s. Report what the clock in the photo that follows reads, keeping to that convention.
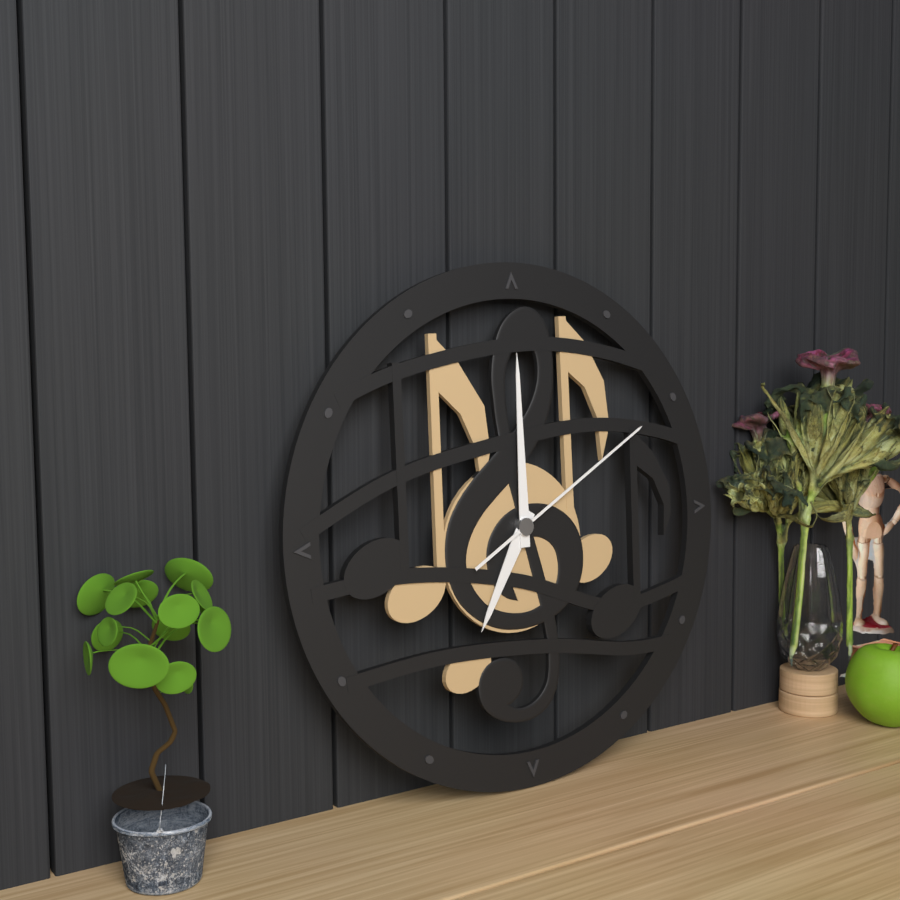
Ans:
7 h 00 min 10 s
